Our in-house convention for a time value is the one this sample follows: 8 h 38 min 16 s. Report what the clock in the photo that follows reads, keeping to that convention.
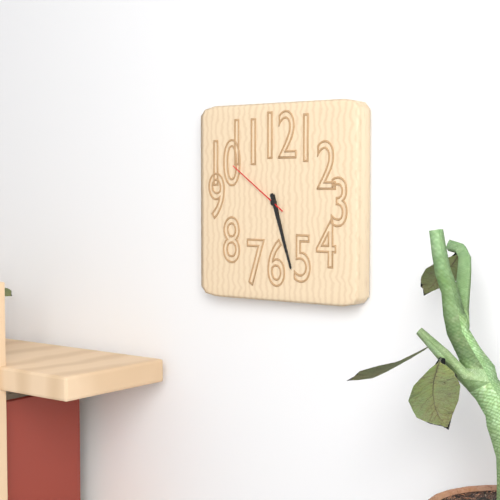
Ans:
5 h 27 min 51 s
